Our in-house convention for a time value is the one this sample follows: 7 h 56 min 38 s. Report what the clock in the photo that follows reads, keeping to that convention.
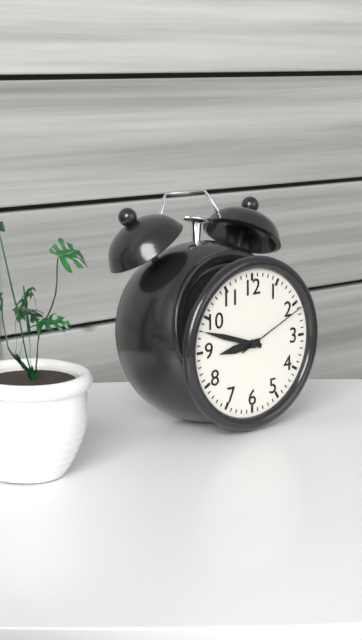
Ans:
8 h 48 min 11 s
